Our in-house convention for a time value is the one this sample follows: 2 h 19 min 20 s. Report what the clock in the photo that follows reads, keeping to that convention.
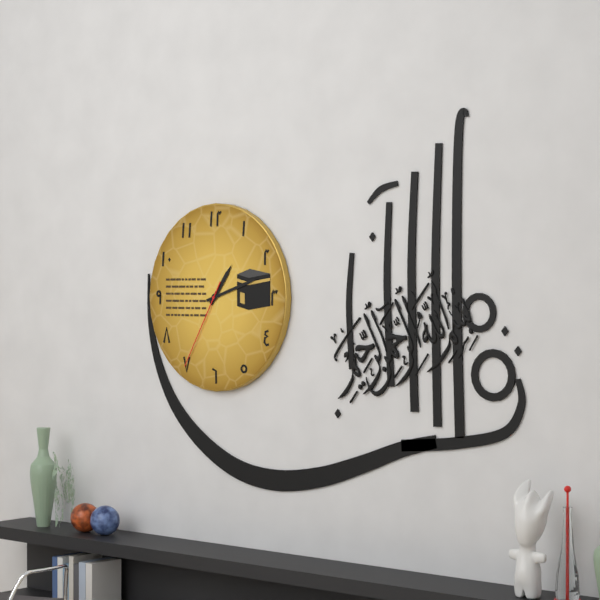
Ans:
1 h 12 min 35 s
